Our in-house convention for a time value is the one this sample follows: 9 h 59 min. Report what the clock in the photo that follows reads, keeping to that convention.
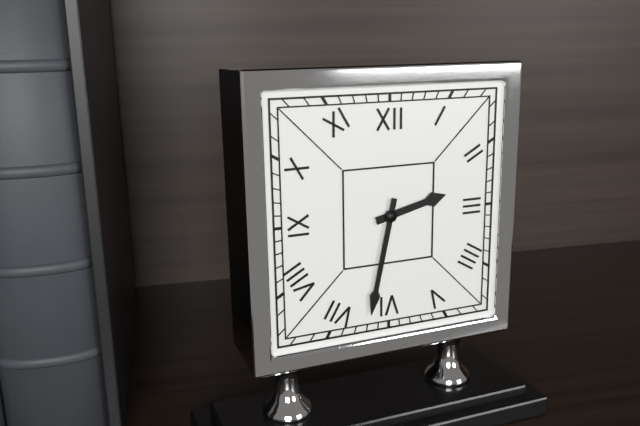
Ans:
2 h 32 min
